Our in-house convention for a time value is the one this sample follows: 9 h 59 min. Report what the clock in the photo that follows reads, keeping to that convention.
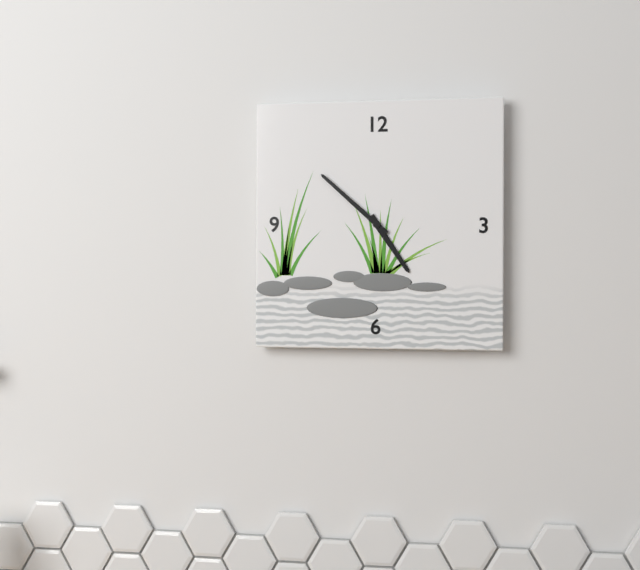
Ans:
4 h 52 min
